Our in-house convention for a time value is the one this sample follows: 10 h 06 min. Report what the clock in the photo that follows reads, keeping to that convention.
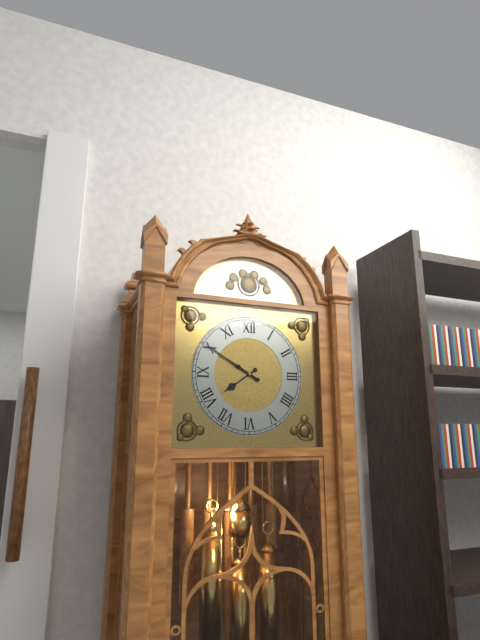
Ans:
7 h 50 min
